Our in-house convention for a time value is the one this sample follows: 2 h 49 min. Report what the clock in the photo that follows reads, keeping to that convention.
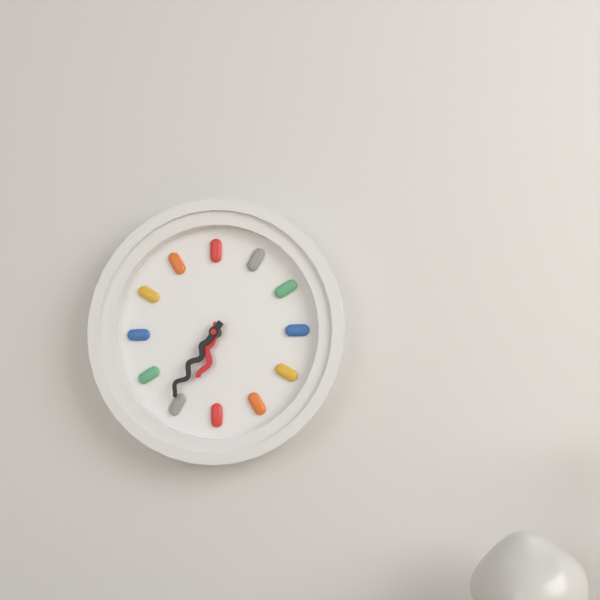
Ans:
6 h 36 min
